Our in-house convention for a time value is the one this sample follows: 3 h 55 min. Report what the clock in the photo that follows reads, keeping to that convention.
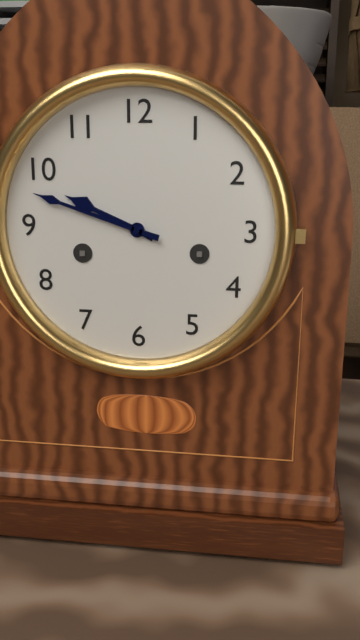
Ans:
9 h 48 min
